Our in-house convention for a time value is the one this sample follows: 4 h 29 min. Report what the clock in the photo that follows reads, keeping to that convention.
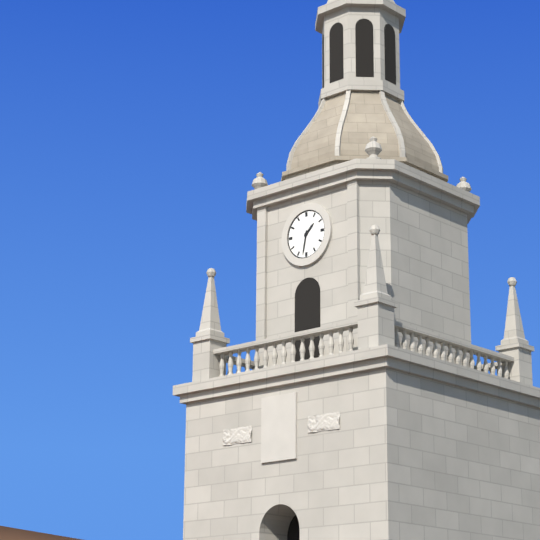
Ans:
1 h 32 min
